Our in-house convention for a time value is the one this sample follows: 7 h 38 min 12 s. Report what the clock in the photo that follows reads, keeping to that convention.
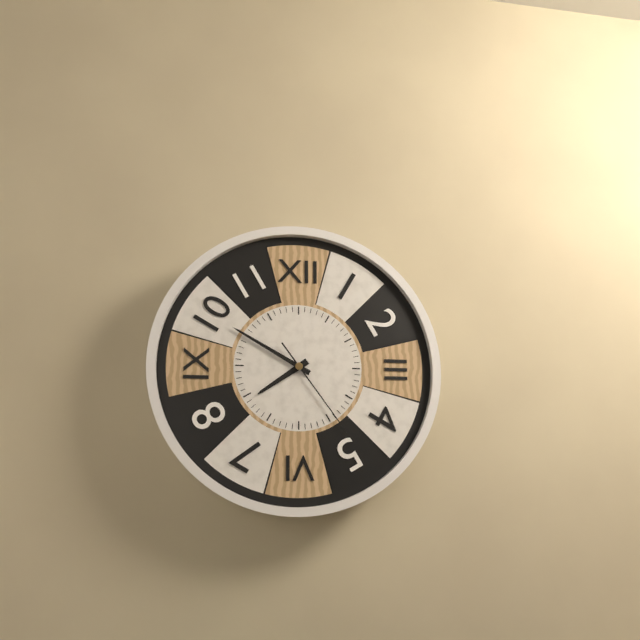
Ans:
7 h 50 min 24 s
